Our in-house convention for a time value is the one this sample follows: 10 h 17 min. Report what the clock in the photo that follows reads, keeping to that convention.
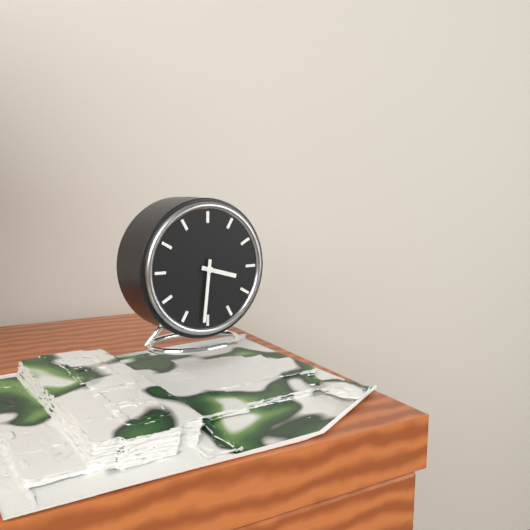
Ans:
3 h 31 min
